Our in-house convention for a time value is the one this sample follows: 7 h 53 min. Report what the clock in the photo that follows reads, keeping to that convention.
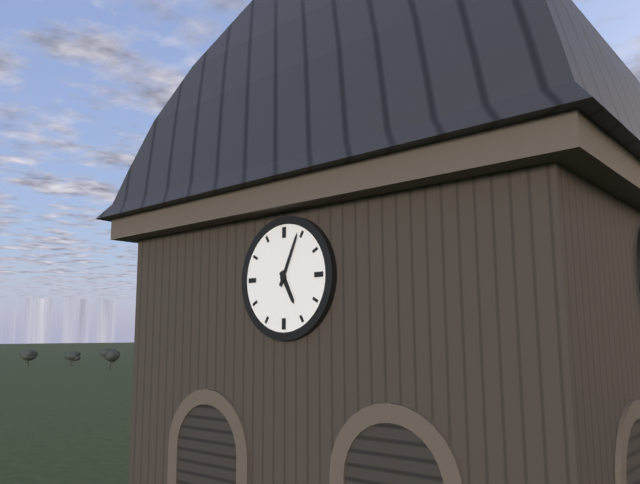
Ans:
5 h 04 min
